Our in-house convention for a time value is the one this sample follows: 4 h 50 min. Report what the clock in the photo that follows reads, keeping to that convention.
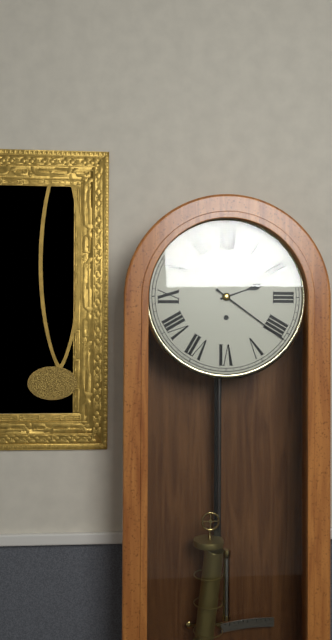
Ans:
2 h 21 min
